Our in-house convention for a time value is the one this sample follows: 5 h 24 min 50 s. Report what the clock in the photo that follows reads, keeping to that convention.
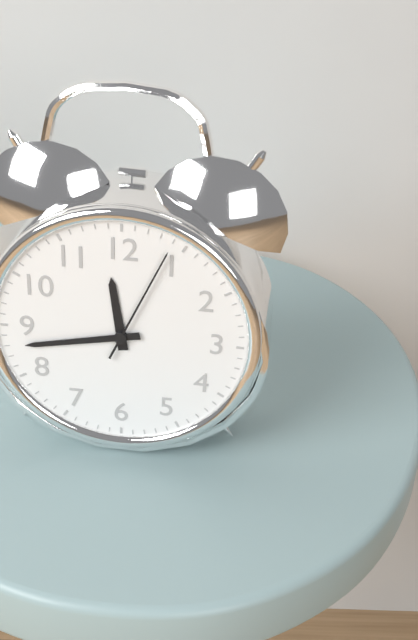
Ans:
11 h 43 min 04 s
